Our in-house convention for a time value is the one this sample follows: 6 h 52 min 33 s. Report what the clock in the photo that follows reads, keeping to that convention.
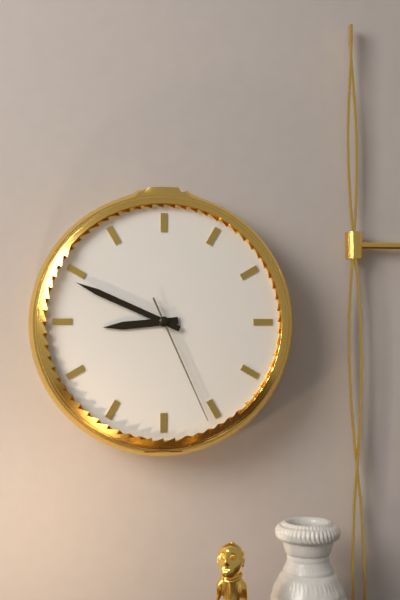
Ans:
8 h 49 min 26 s
